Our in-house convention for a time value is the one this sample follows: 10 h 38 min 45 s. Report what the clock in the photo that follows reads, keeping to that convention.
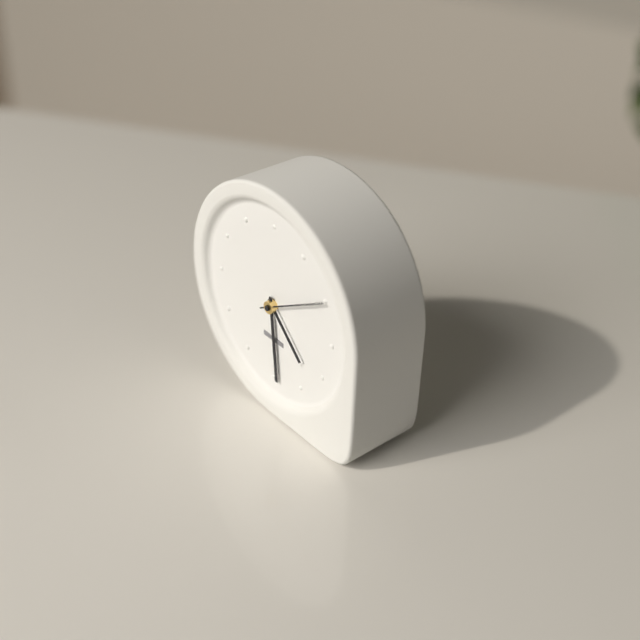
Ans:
4 h 29 min 10 s
